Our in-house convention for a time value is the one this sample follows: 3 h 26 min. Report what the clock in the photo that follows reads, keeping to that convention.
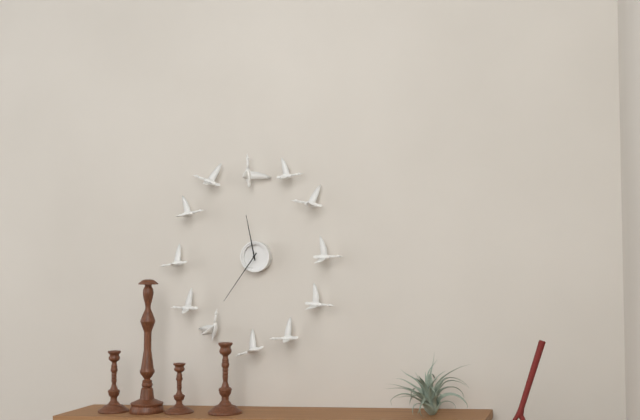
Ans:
11 h 36 min
